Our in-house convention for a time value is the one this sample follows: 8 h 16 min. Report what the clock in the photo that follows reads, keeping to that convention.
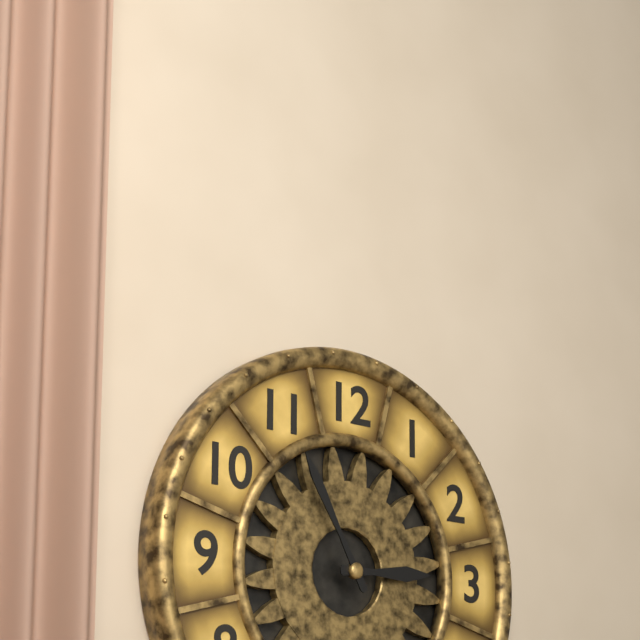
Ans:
2 h 55 min
